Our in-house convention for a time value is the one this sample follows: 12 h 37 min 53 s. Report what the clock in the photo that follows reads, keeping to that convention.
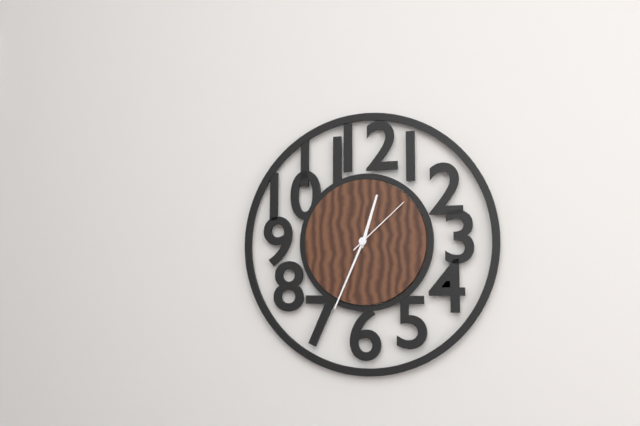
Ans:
12 h 34 min 08 s
